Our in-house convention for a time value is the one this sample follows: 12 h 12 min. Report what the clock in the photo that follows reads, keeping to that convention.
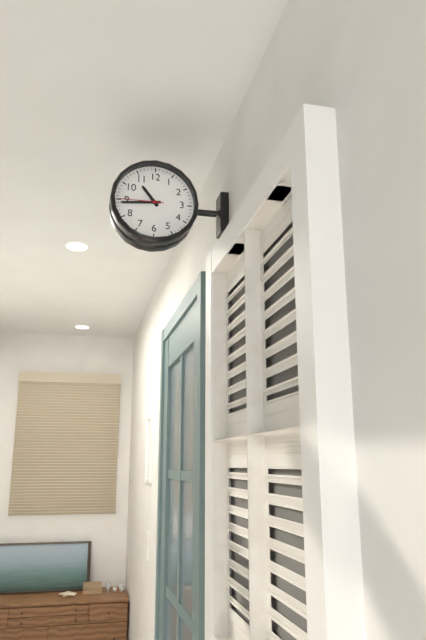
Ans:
10 h 44 min
